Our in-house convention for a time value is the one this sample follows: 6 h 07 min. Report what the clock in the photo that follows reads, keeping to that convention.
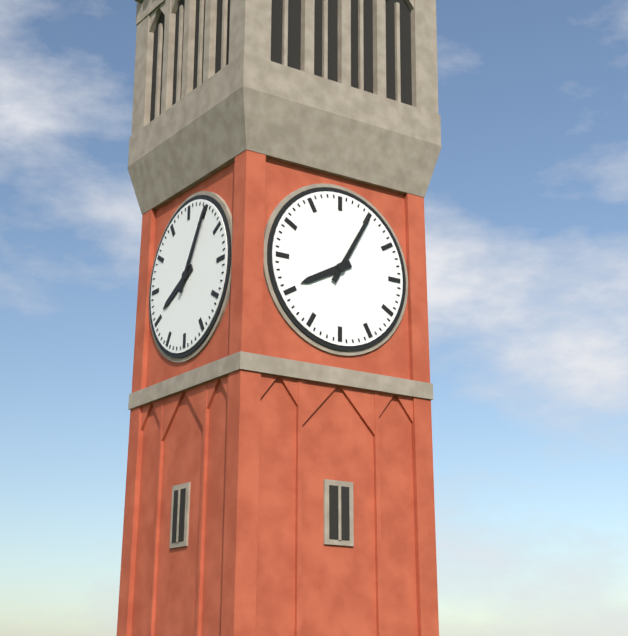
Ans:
8 h 05 min
